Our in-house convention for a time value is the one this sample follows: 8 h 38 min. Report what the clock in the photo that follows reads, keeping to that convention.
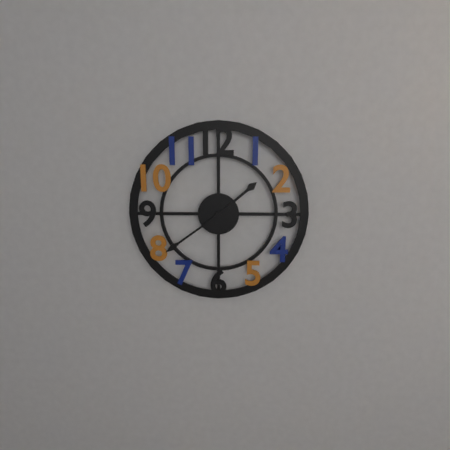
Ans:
1 h 39 min
